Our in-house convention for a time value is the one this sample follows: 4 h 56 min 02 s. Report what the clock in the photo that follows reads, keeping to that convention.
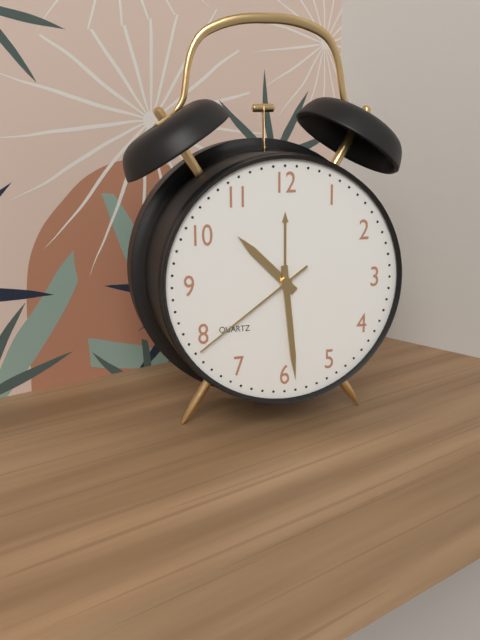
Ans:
10 h 29 min 39 s
